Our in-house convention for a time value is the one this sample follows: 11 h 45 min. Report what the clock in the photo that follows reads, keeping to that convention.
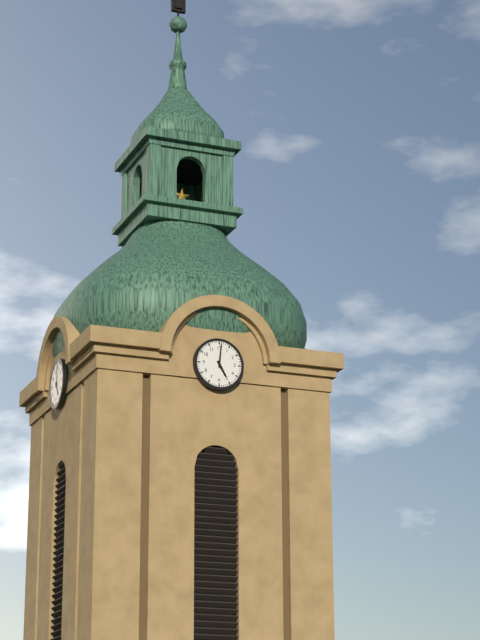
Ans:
5 h 01 min
